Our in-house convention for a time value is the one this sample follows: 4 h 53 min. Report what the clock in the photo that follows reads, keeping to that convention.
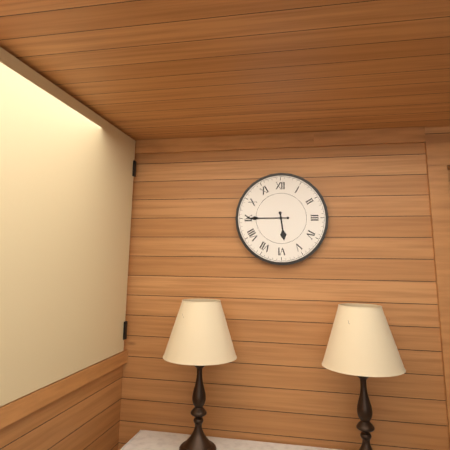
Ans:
5 h 45 min
